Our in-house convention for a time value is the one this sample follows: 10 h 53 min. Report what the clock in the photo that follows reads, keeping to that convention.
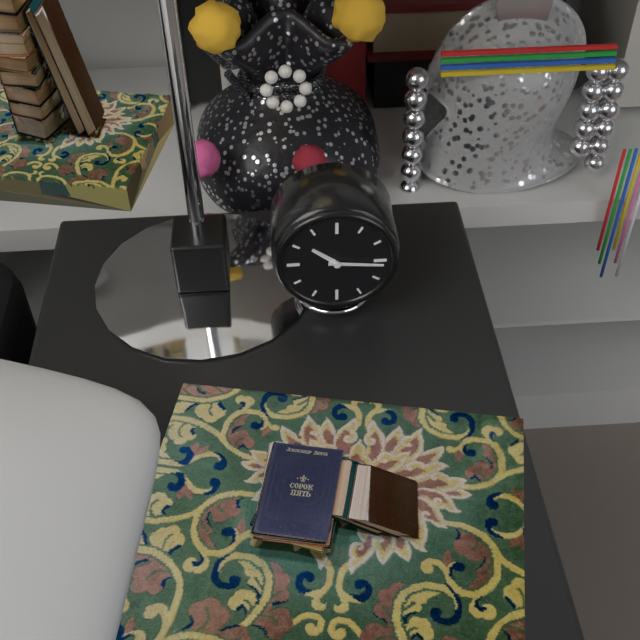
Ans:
10 h 16 min
